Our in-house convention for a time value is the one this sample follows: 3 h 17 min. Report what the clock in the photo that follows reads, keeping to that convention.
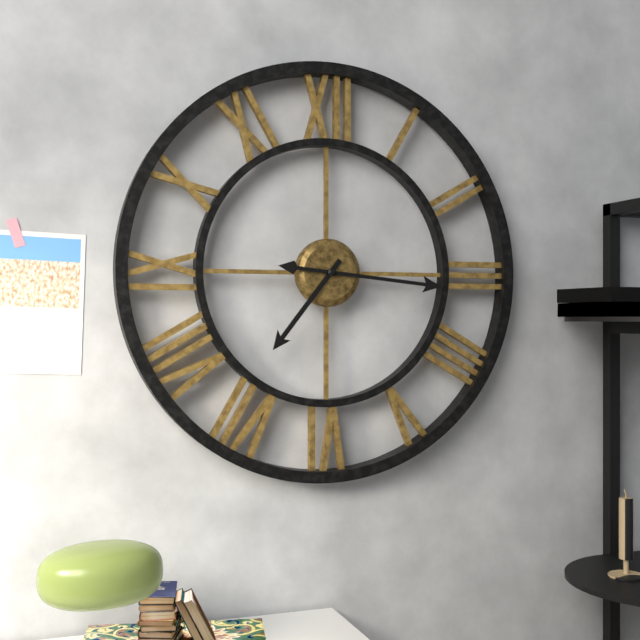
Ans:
7 h 16 min
